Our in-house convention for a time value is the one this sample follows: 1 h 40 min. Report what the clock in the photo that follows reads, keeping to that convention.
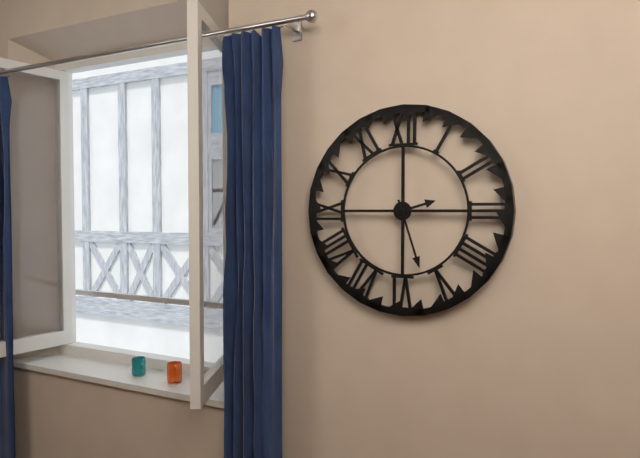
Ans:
2 h 27 min
